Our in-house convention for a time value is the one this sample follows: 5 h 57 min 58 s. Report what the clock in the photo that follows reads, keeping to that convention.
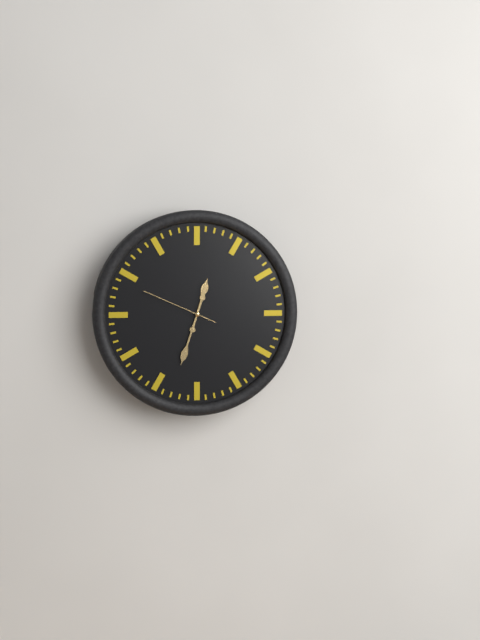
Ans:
12 h 33 min 49 s
